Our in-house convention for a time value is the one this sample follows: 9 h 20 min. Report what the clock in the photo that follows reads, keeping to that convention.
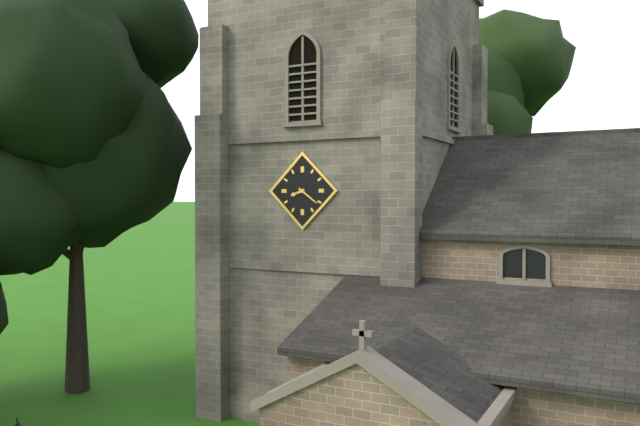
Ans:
8 h 21 min
